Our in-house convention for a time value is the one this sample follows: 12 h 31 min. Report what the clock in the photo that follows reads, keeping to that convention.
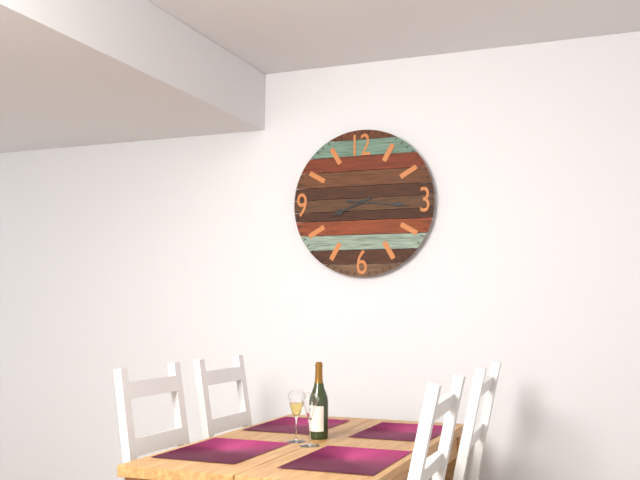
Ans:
8 h 16 min
